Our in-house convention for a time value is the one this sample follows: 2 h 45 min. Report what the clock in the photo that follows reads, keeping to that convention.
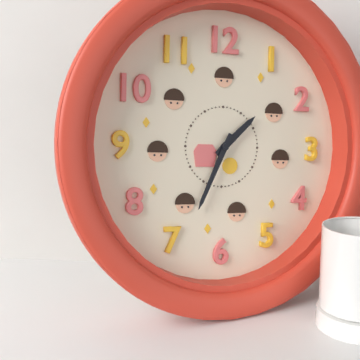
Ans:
1 h 34 min
